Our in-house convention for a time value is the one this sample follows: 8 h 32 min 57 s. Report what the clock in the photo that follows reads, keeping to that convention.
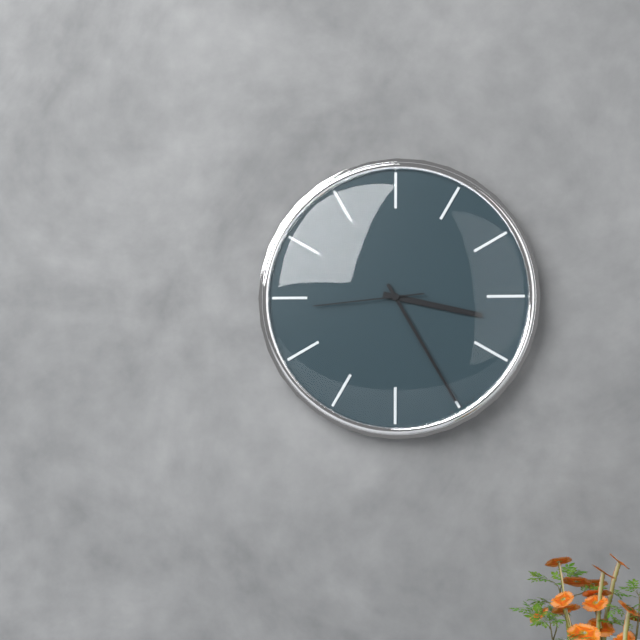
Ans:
3 h 25 min 44 s
